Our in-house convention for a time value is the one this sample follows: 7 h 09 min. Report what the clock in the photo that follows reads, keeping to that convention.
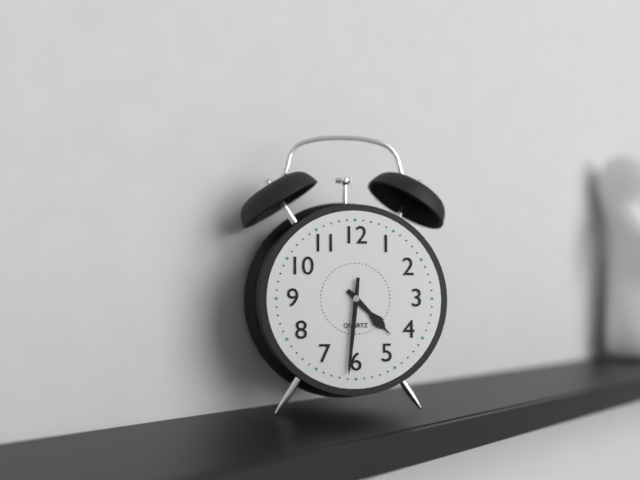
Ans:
4 h 31 min
